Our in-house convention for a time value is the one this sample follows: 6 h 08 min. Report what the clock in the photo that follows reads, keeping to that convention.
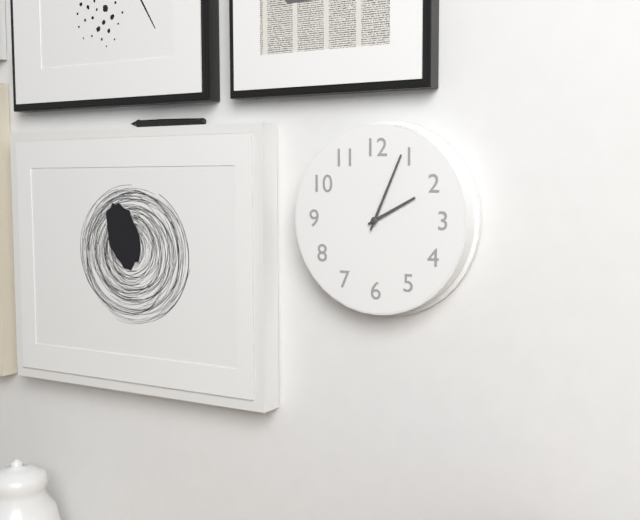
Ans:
2 h 04 min
